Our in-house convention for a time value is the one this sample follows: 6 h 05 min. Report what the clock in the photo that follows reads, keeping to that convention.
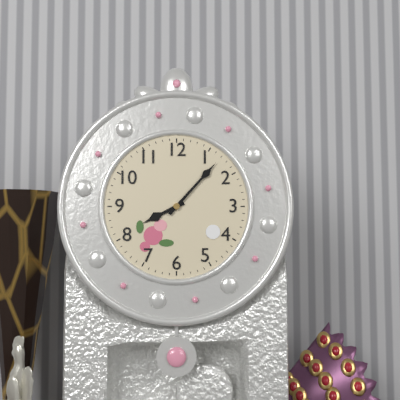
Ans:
8 h 07 min
